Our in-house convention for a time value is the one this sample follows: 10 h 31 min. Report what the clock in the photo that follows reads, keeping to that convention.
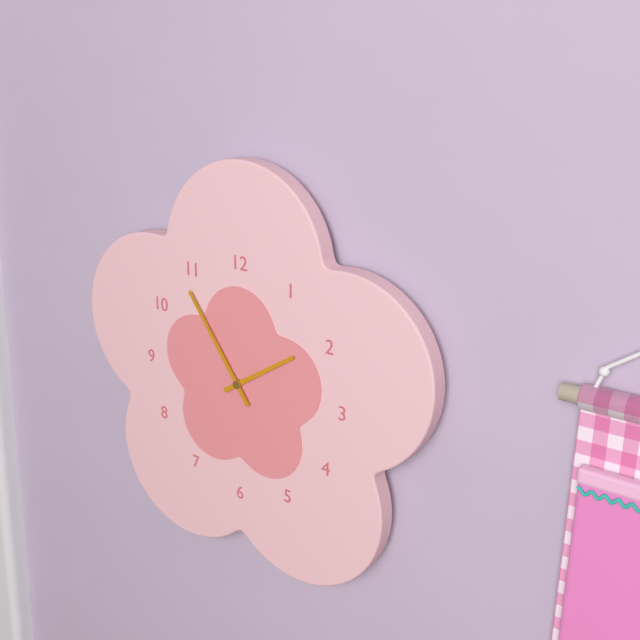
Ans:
1 h 54 min
